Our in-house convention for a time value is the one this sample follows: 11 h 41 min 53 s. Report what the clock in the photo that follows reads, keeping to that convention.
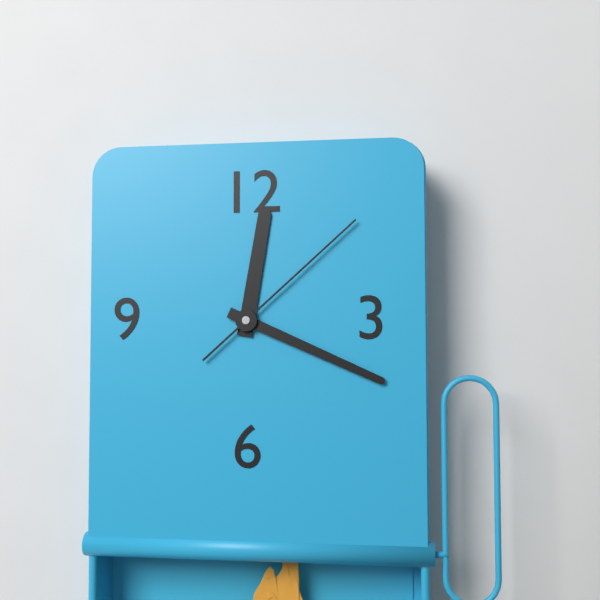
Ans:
12 h 19 min 08 s
